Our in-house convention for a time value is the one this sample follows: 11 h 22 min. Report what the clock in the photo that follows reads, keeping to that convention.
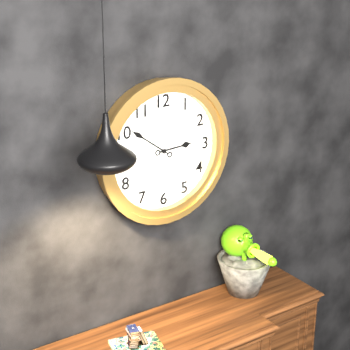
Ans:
2 h 51 min
